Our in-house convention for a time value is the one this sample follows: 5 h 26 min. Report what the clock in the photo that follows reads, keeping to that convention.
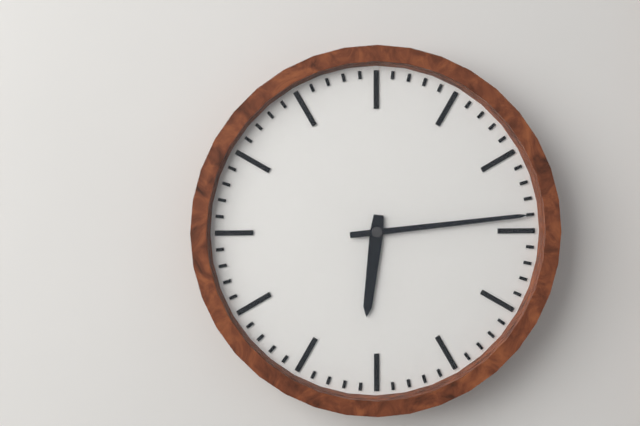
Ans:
6 h 14 min
